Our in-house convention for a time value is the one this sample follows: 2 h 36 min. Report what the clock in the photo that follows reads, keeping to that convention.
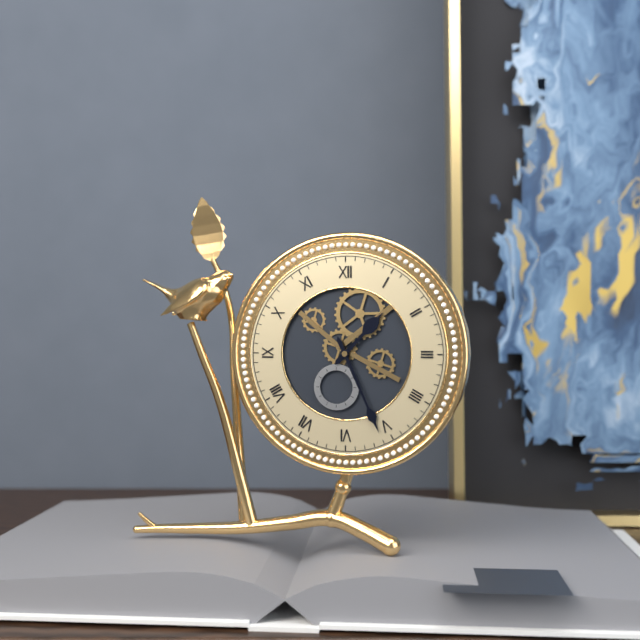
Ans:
1 h 26 min
